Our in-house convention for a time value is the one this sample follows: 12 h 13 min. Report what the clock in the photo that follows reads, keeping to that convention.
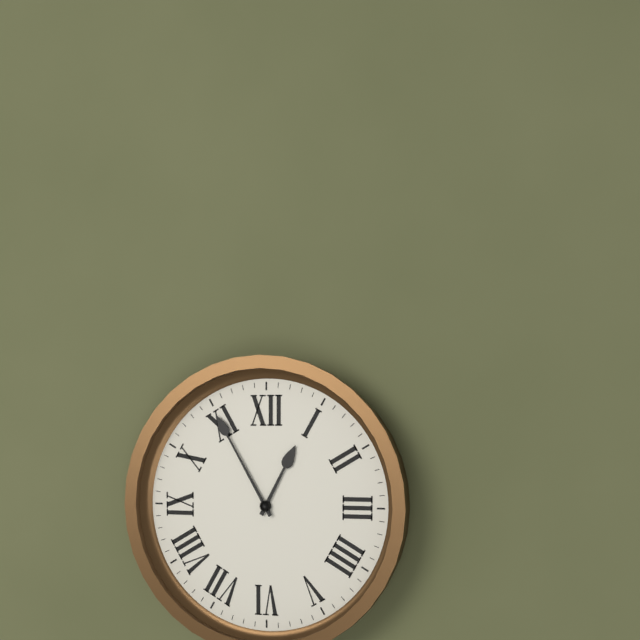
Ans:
12 h 55 min
